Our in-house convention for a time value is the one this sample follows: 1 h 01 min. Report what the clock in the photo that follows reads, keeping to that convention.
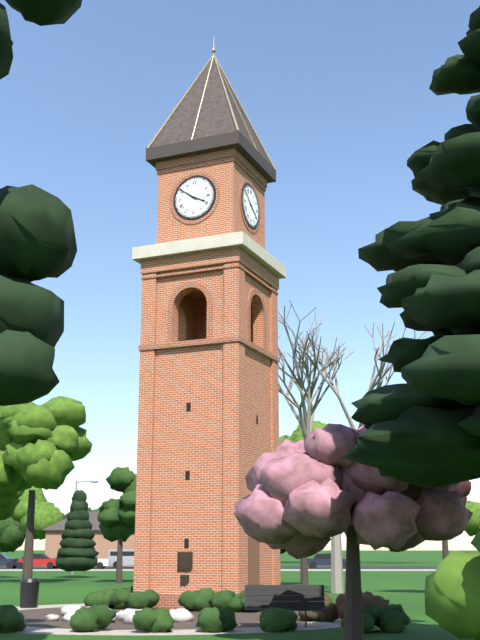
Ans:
3 h 51 min
